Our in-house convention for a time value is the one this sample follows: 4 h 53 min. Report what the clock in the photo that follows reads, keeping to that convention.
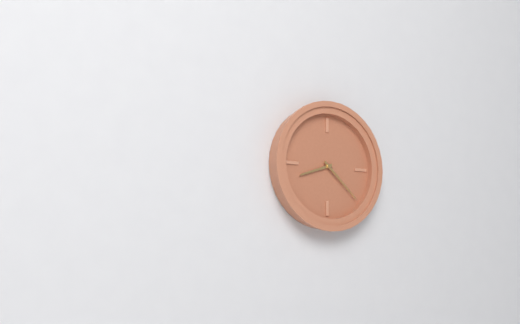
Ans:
8 h 22 min
